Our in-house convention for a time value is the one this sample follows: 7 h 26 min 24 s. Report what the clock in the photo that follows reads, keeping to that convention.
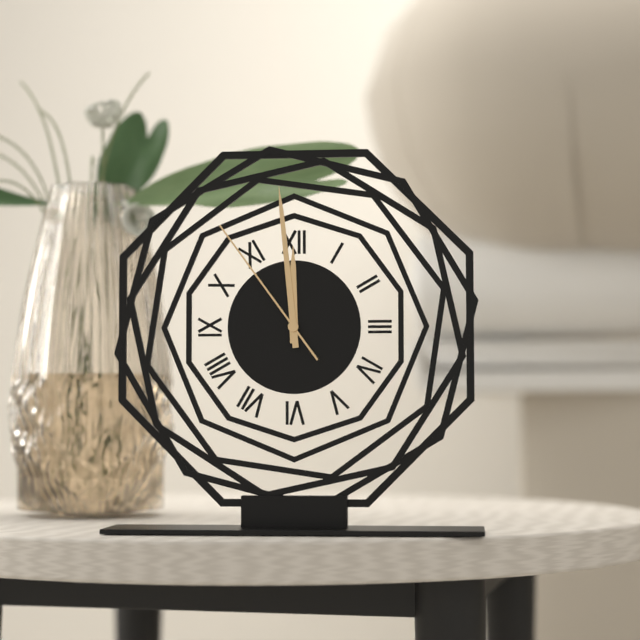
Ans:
11 h 59 min 54 s
